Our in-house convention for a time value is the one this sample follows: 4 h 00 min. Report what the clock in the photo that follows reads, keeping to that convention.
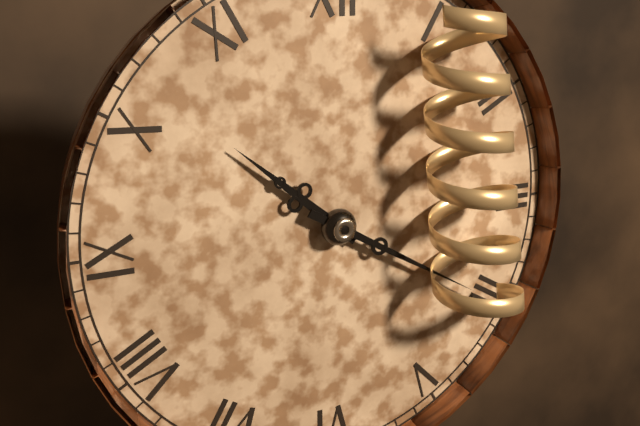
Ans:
10 h 20 min
